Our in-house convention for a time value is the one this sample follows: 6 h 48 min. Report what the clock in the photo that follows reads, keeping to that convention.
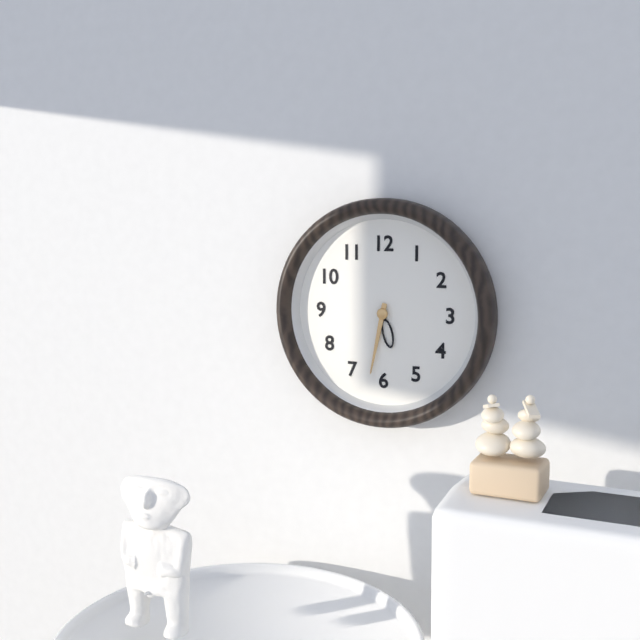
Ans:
5 h 32 min
